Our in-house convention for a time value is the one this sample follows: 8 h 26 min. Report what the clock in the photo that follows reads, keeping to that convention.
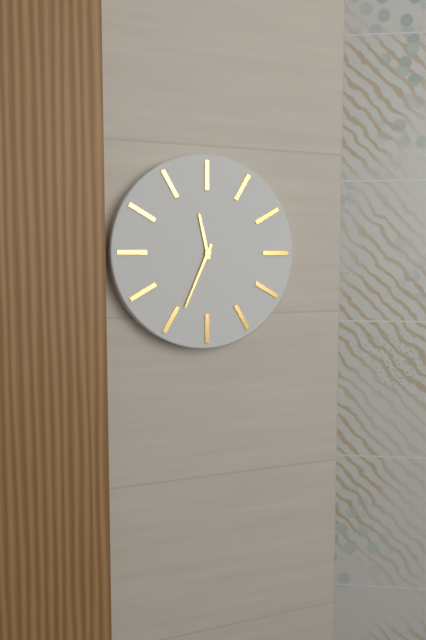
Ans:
11 h 34 min
